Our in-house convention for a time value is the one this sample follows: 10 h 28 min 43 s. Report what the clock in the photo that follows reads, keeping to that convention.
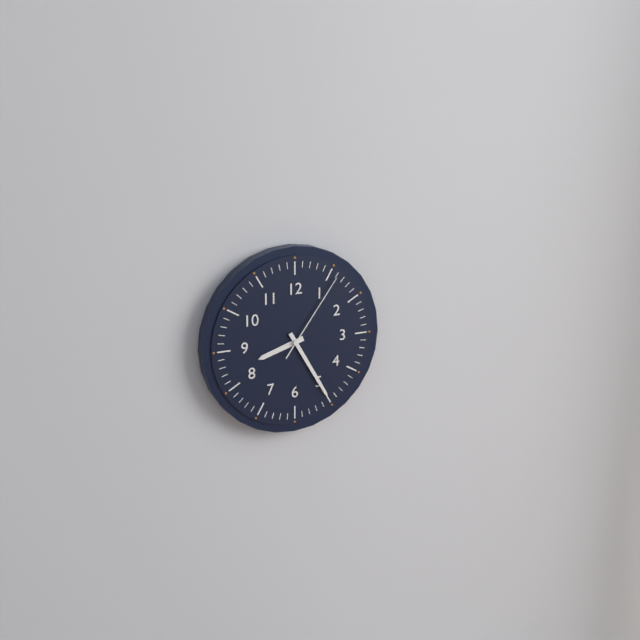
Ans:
8 h 25 min 06 s
